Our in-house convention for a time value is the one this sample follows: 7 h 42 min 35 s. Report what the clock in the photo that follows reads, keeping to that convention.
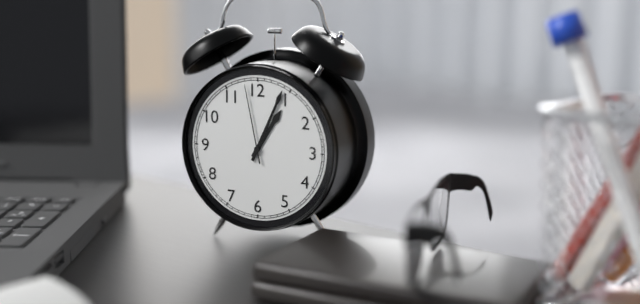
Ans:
1 h 04 min 58 s
